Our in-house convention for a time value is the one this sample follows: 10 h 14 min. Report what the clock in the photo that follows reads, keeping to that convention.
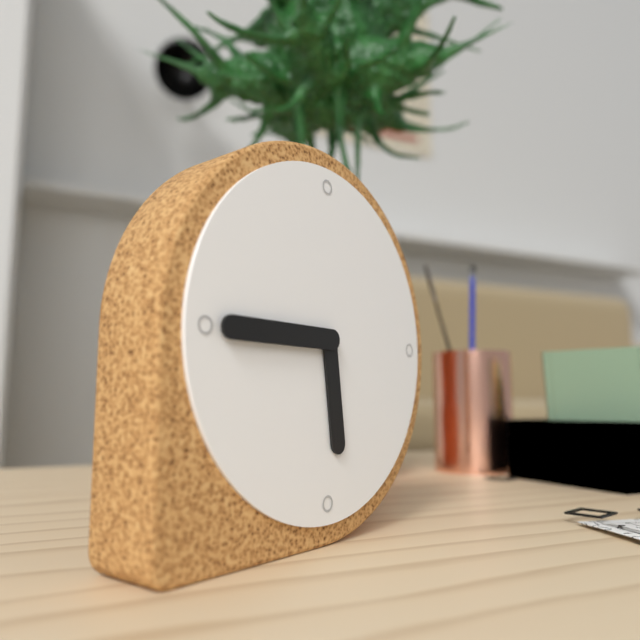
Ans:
5 h 45 min
